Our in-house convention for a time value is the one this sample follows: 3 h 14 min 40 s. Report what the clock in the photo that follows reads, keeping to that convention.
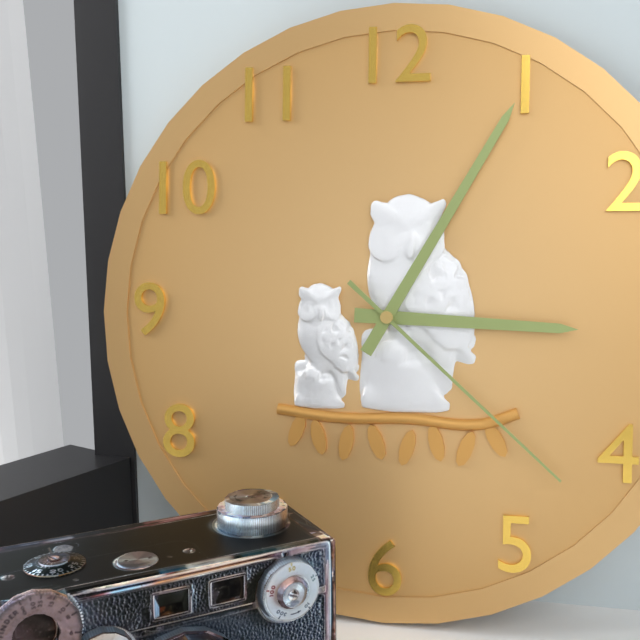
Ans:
3 h 05 min 22 s
